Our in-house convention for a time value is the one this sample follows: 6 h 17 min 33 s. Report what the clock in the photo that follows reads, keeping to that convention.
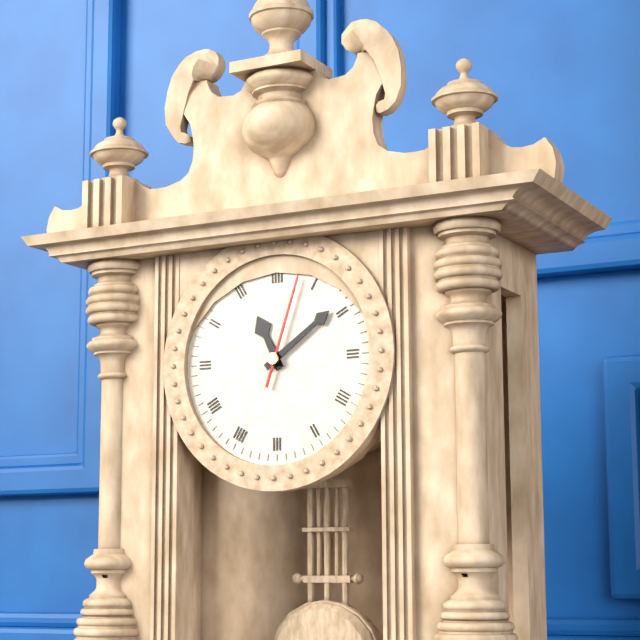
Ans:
11 h 09 min 03 s
